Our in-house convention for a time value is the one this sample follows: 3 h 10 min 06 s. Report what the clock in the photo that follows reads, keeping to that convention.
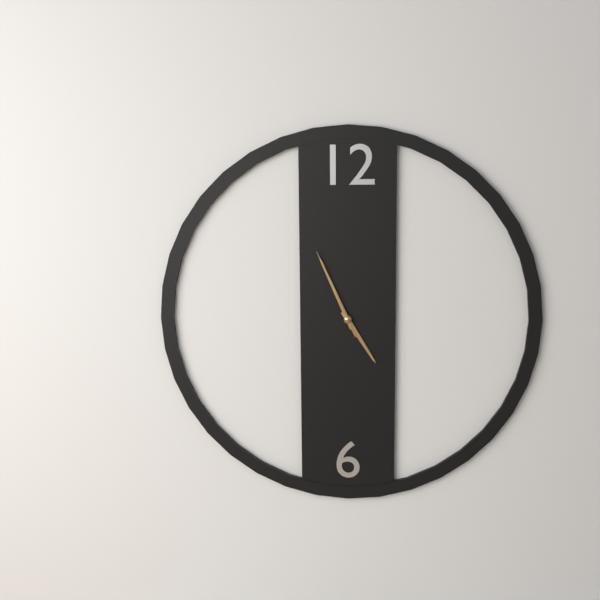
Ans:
4 h 56 min 56 s
